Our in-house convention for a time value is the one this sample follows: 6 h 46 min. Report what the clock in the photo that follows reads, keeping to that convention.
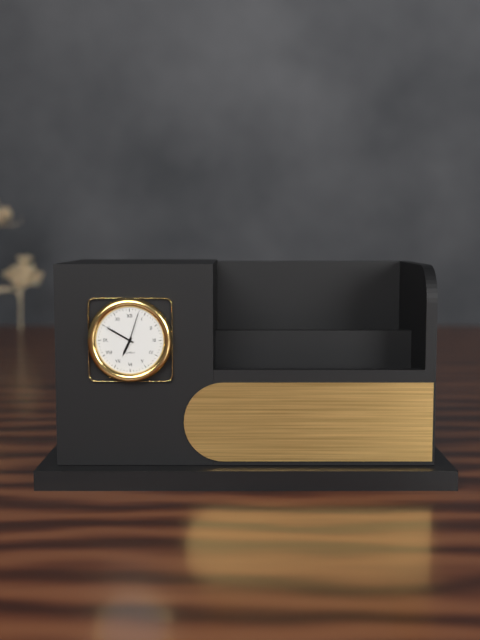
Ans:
6 h 50 min
